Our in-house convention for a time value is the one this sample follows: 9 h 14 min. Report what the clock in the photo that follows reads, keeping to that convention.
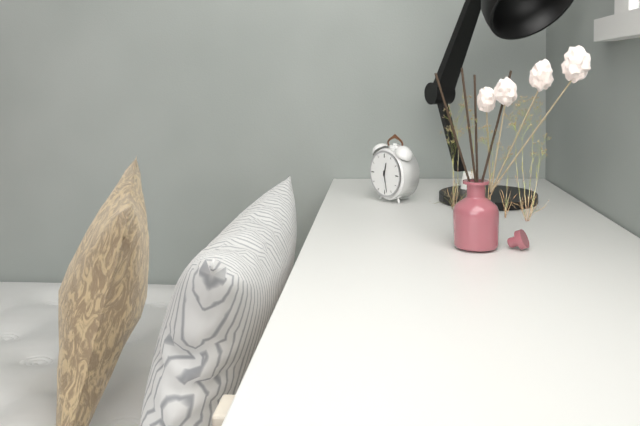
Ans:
12 h 28 min
